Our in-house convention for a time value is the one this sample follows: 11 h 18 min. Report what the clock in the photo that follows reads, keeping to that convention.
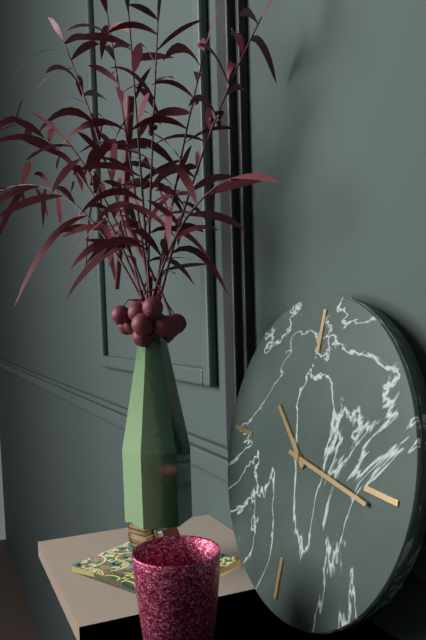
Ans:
10 h 16 min
